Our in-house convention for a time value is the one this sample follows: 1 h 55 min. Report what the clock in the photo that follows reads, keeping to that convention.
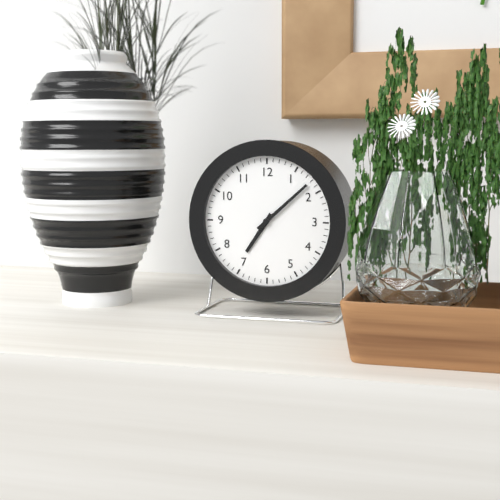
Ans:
7 h 08 min
